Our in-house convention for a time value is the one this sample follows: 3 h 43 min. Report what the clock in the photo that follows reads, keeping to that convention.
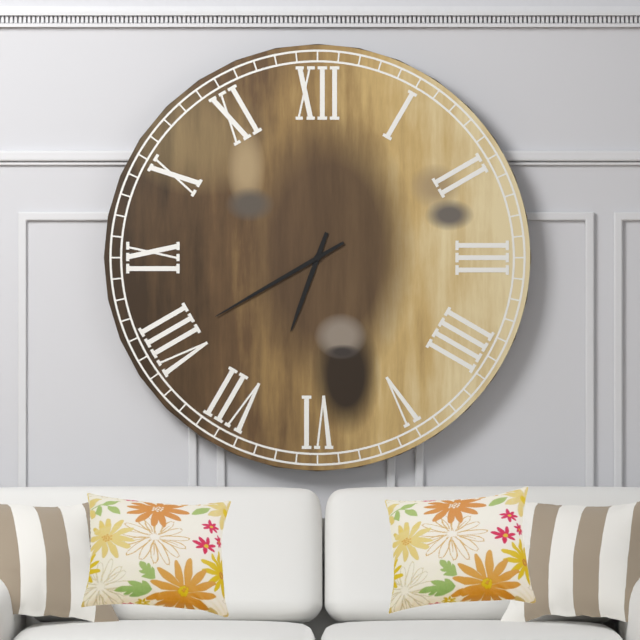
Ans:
6 h 40 min
